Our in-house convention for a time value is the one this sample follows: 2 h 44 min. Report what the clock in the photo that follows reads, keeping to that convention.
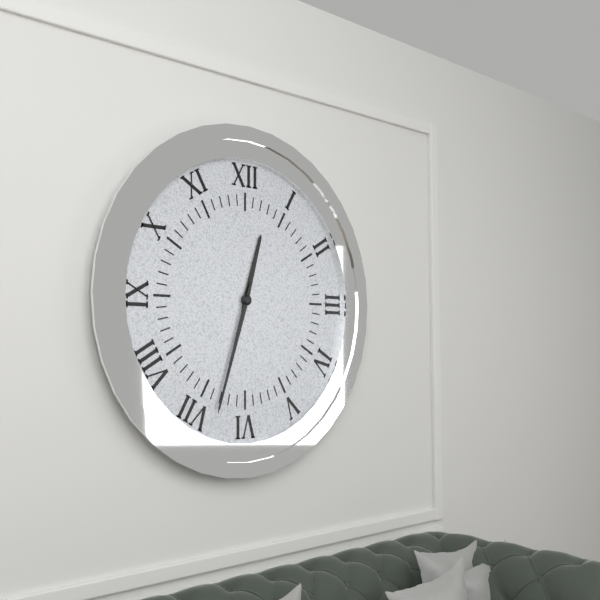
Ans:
12 h 33 min
